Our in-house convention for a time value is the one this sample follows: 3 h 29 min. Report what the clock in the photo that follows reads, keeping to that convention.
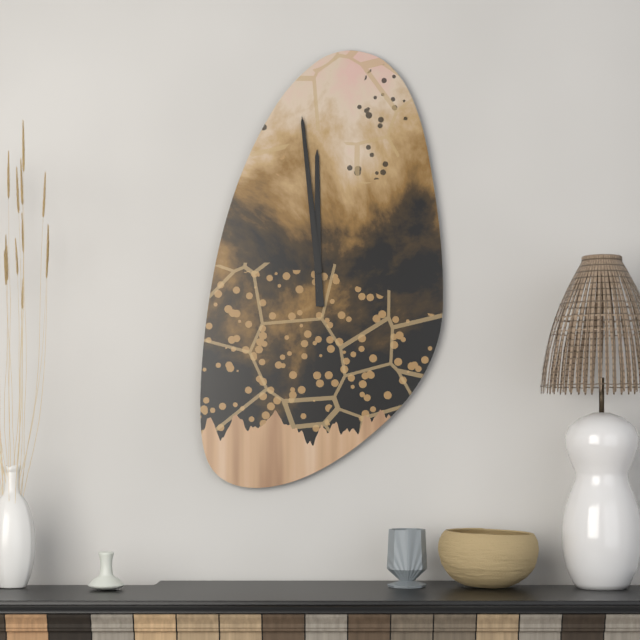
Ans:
11 h 59 min
